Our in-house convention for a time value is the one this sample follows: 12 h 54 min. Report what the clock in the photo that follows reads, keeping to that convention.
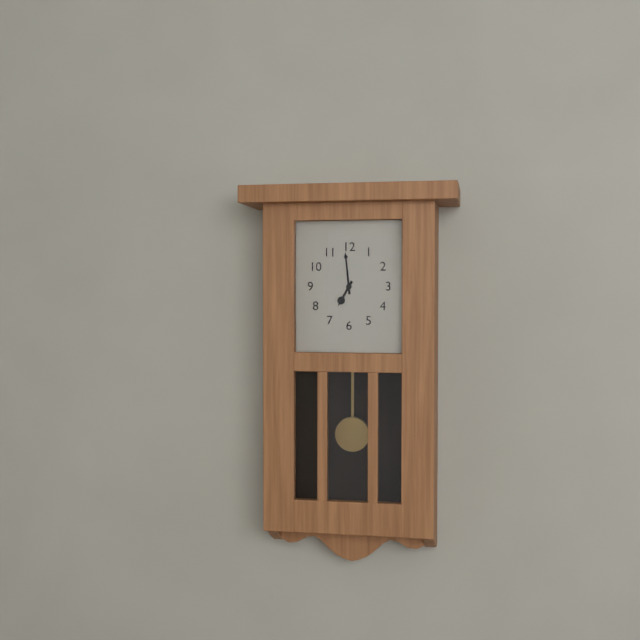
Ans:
6 h 59 min
